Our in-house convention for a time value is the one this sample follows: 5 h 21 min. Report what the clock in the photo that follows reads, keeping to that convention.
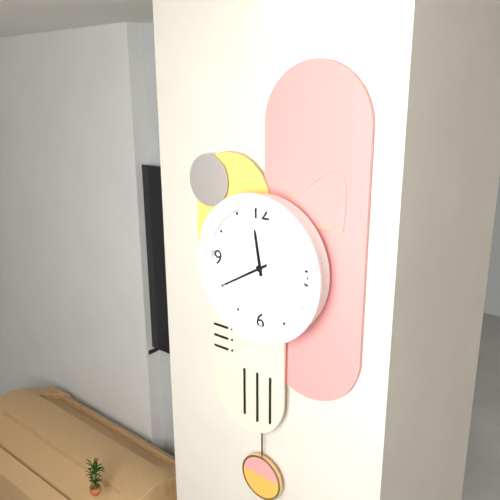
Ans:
11 h 40 min
